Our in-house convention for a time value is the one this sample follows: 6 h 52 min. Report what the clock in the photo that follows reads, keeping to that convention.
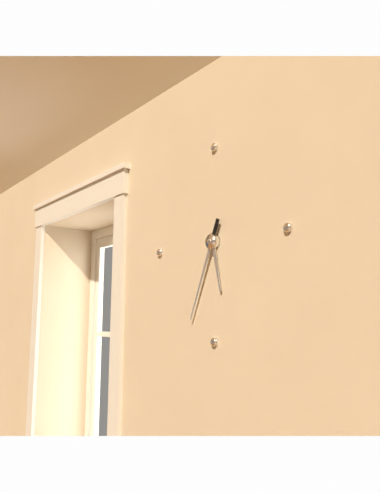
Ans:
5 h 34 min
